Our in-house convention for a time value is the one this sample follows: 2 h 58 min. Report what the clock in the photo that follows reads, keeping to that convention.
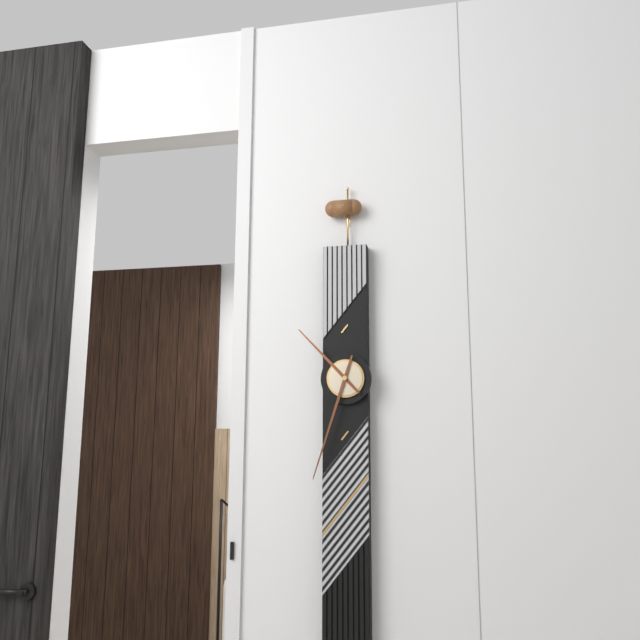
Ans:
10 h 33 min
